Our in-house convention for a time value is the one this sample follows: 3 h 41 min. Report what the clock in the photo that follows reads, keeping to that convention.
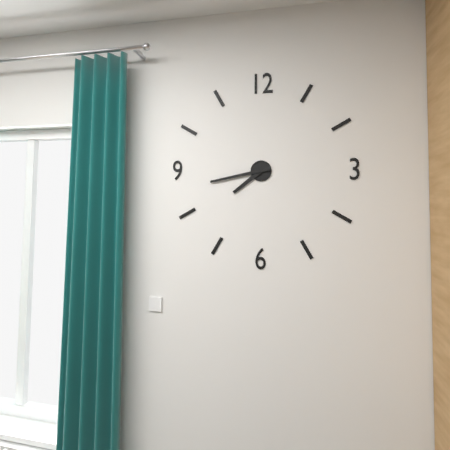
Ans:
7 h 43 min
